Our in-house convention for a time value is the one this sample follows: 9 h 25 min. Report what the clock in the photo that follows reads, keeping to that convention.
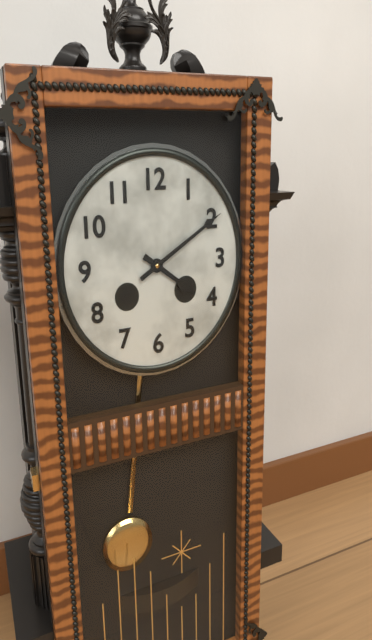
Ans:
4 h 10 min
